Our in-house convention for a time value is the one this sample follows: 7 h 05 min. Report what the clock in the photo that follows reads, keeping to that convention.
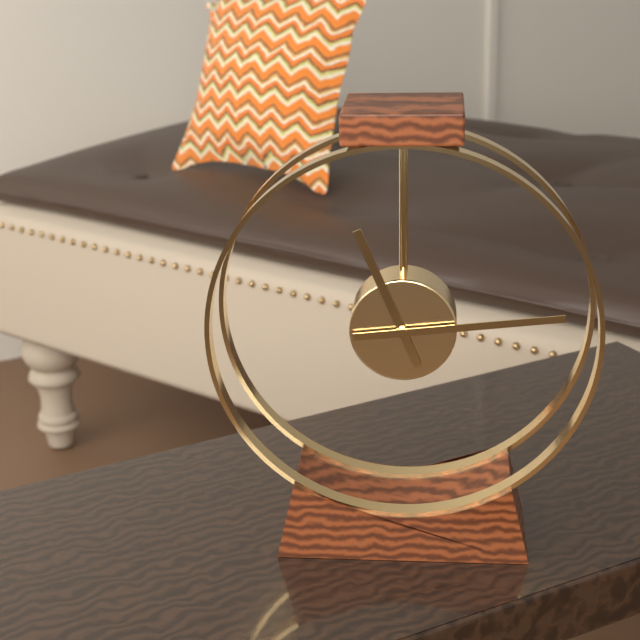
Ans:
11 h 14 min
